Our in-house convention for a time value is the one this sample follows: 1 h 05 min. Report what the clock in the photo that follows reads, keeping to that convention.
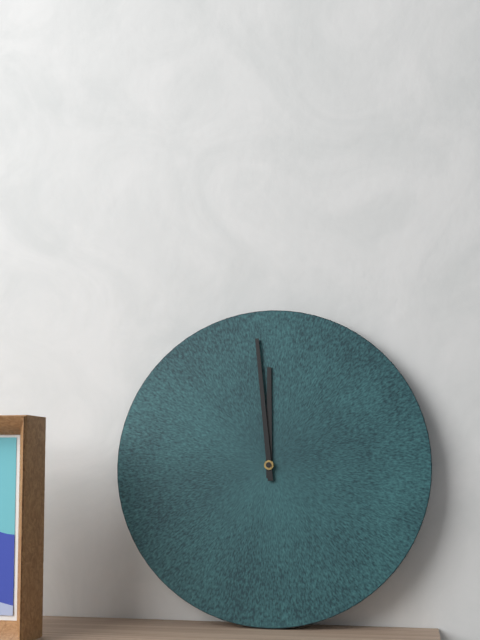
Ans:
11 h 59 min
